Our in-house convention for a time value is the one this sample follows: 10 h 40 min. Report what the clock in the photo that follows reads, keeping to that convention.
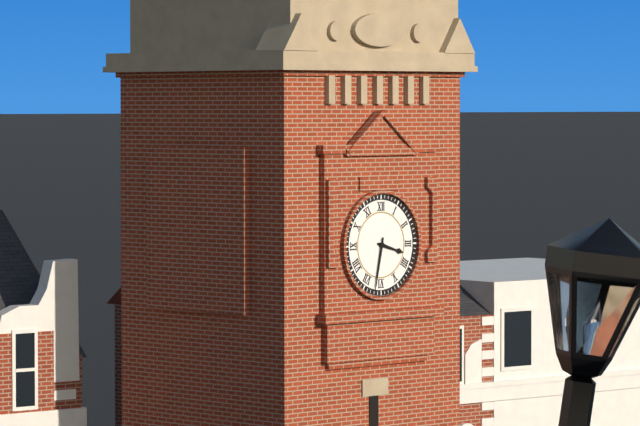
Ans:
3 h 32 min
